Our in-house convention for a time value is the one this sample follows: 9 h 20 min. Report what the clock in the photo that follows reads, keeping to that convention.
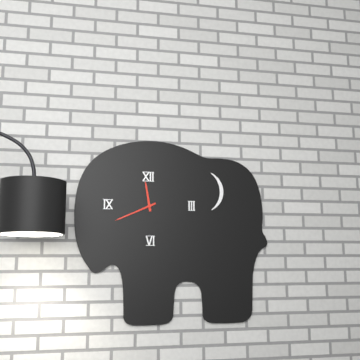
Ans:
11 h 41 min
